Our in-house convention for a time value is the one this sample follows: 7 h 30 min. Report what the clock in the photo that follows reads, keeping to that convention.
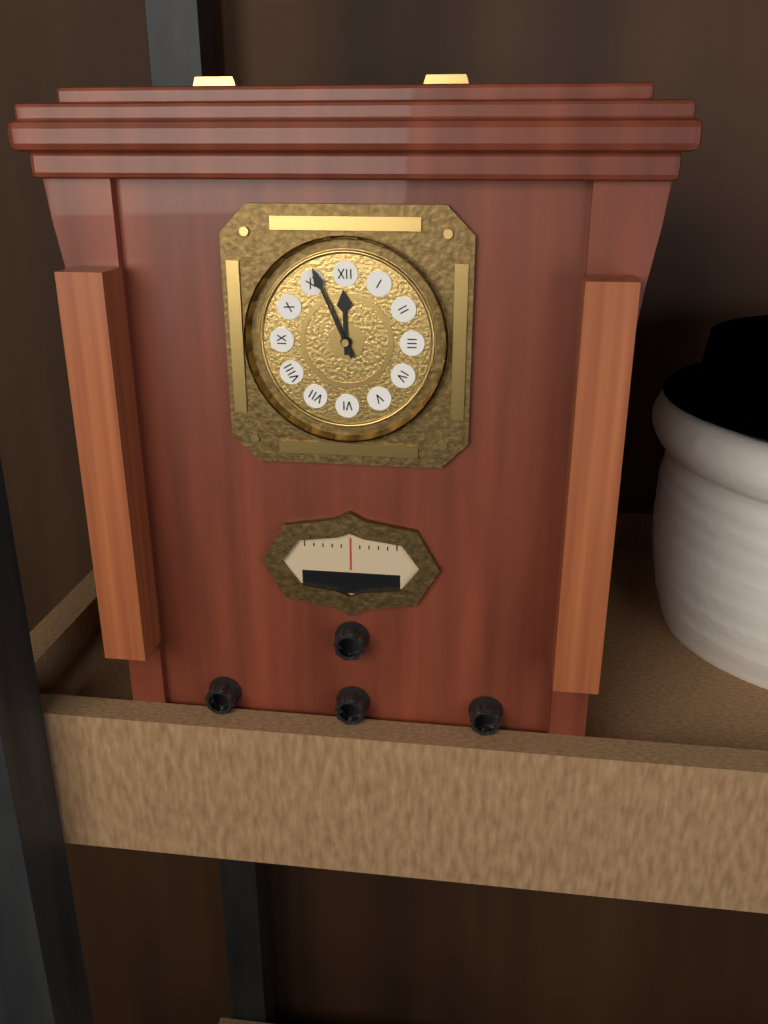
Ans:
11 h 56 min
